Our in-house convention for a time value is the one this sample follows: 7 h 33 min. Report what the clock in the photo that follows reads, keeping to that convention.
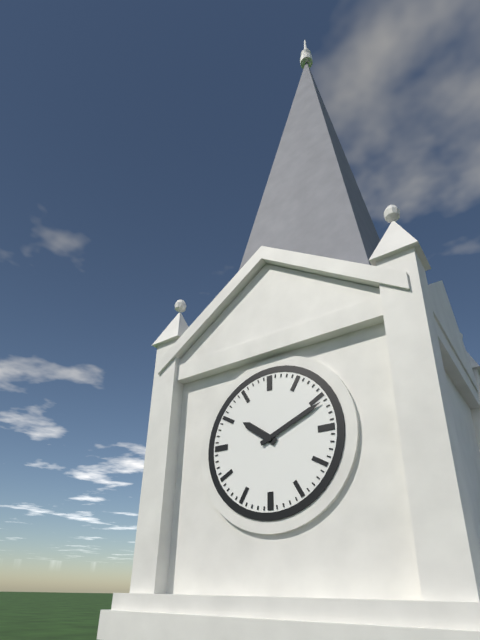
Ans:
10 h 11 min
